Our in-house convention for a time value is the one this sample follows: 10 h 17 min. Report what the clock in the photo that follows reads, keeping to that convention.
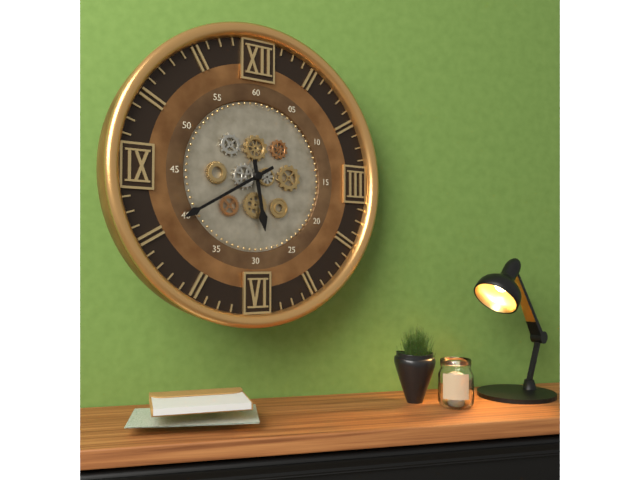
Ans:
5 h 40 min
